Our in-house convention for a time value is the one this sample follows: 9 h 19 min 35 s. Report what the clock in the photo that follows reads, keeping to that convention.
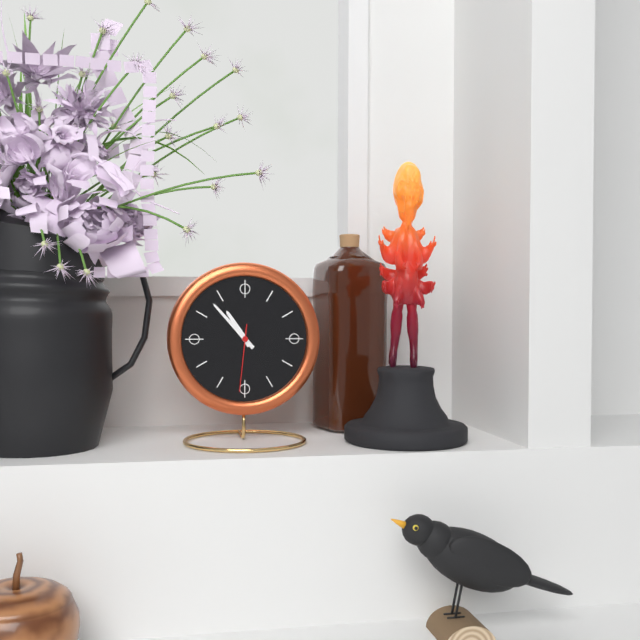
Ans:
10 h 53 min 31 s
